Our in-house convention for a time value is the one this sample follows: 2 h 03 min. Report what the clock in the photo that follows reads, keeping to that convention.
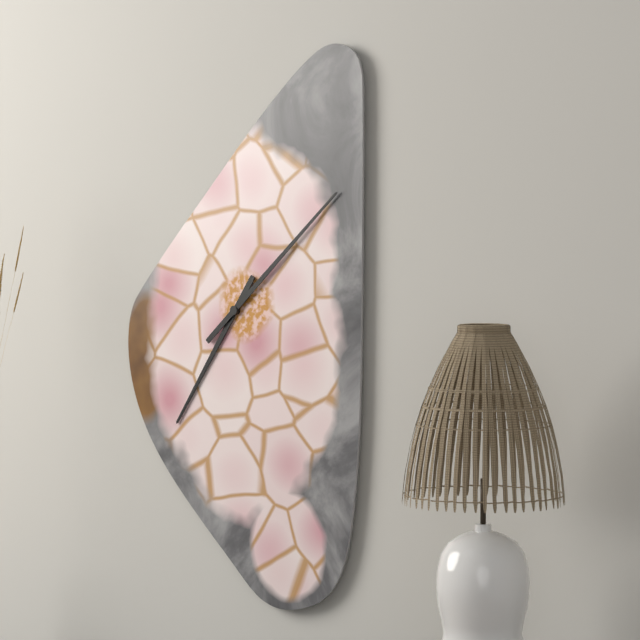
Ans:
7 h 08 min
